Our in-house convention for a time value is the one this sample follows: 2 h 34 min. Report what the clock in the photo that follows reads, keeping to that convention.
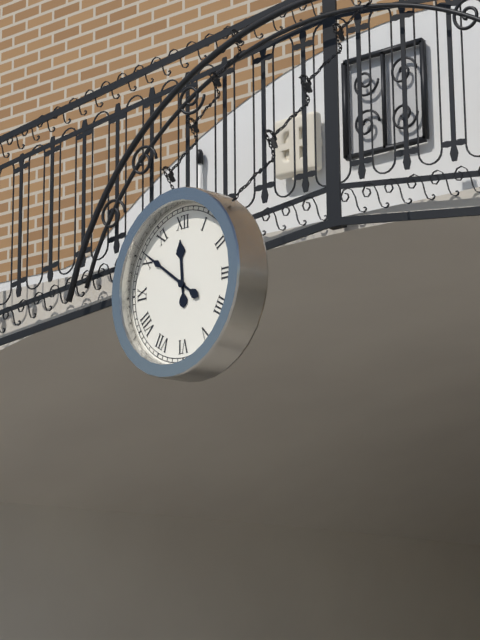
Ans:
11 h 51 min
